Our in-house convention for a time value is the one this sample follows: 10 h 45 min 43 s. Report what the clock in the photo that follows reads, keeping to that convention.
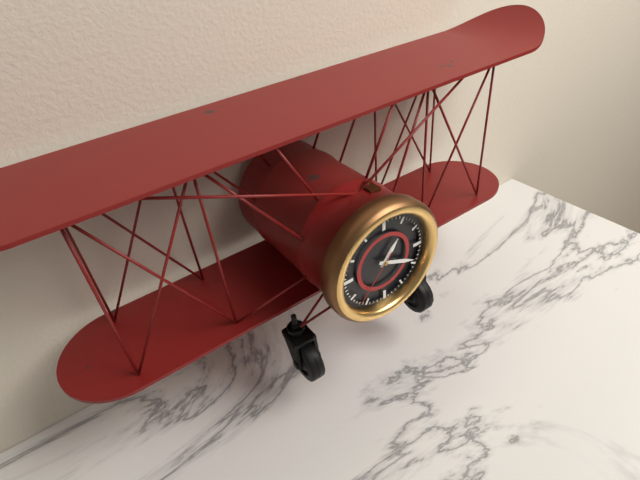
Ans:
1 h 19 min 37 s
